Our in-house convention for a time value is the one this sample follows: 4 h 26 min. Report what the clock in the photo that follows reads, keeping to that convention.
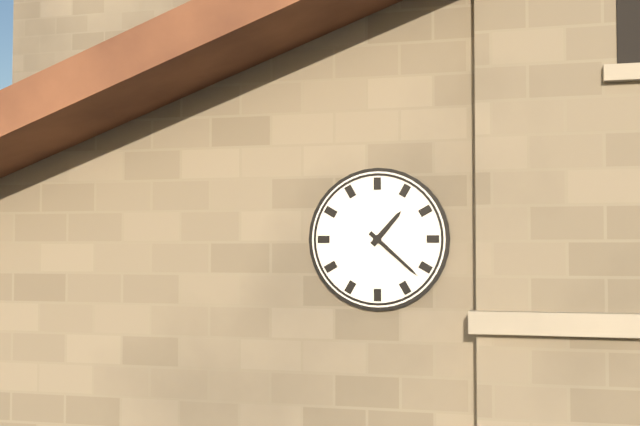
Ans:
1 h 22 min
